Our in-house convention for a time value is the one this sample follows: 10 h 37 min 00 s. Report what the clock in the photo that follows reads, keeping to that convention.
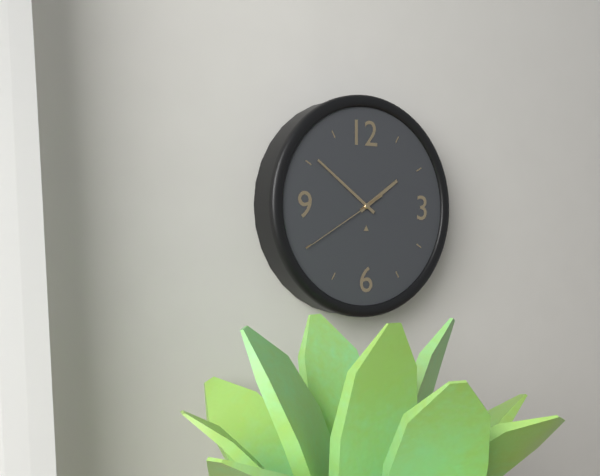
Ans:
1 h 51 min 40 s
